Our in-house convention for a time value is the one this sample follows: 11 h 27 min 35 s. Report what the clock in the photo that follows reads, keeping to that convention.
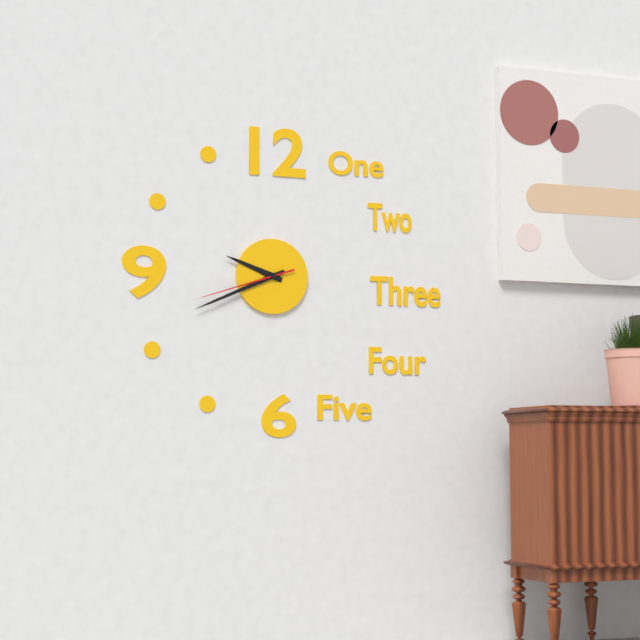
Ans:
9 h 41 min 42 s
